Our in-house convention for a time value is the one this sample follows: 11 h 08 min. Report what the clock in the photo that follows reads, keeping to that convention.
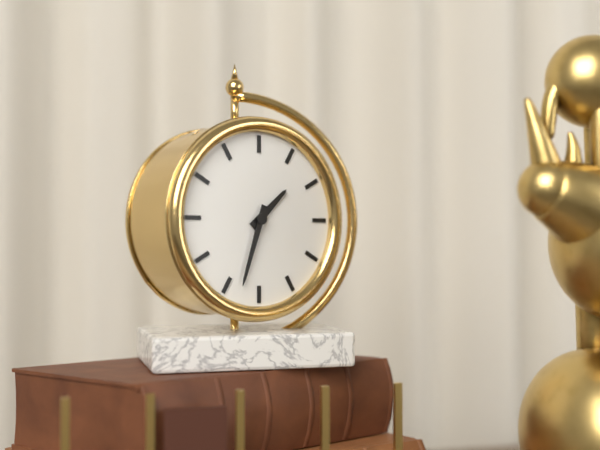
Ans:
1 h 33 min
